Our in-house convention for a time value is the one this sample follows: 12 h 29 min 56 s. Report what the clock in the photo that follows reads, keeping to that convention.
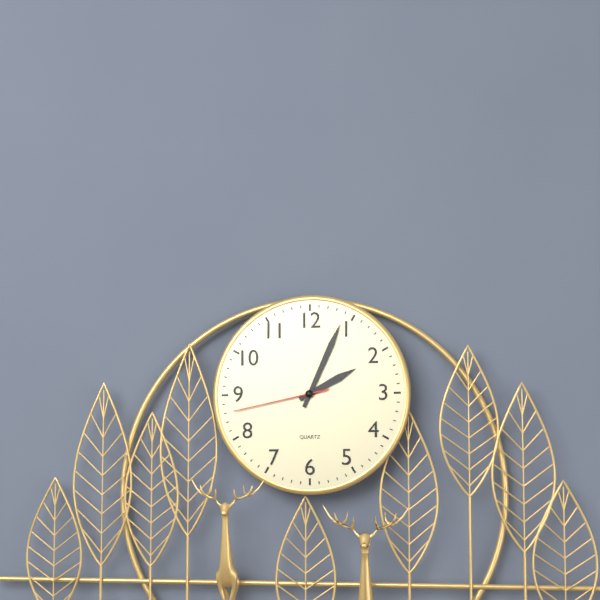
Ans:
2 h 04 min 43 s
